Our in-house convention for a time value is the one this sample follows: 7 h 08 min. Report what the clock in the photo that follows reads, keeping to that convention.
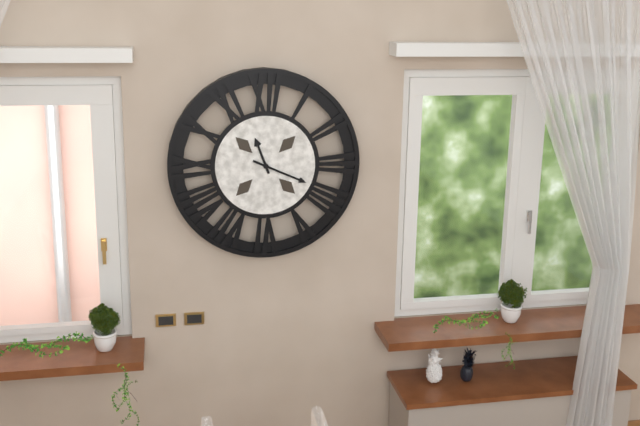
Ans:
11 h 19 min
